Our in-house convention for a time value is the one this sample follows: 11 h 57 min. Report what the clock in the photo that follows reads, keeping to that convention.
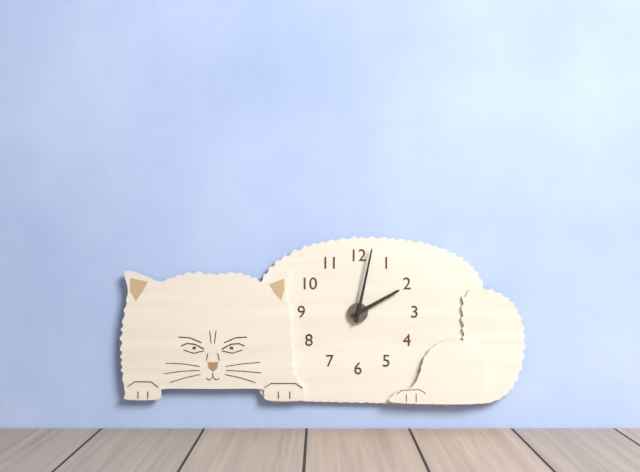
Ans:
2 h 02 min
